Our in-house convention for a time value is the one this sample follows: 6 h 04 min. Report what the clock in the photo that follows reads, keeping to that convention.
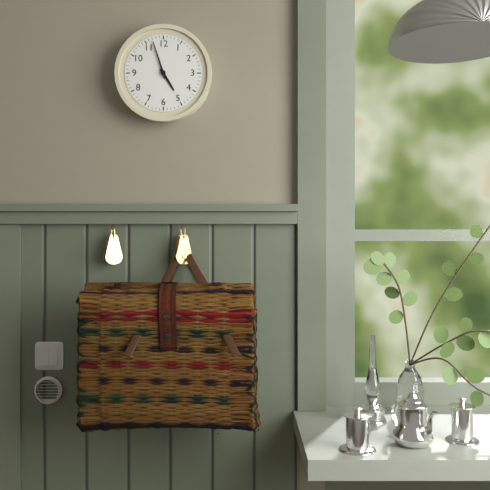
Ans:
4 h 57 min
